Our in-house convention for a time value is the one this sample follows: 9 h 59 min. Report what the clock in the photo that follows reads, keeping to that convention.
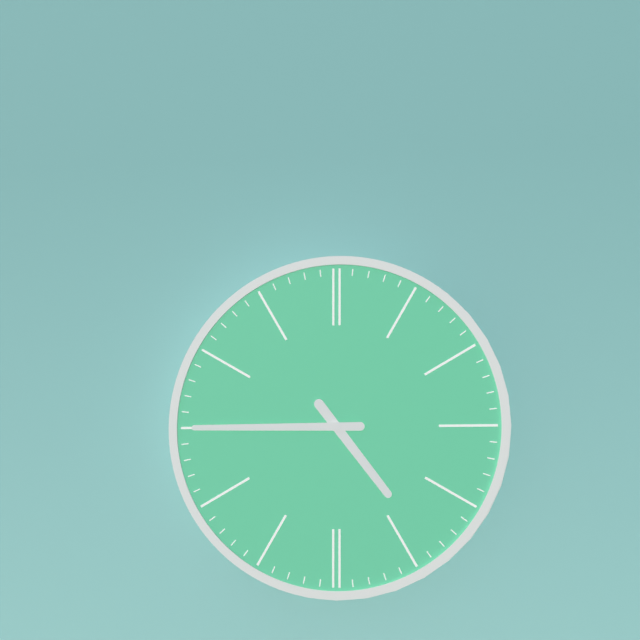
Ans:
4 h 45 min
